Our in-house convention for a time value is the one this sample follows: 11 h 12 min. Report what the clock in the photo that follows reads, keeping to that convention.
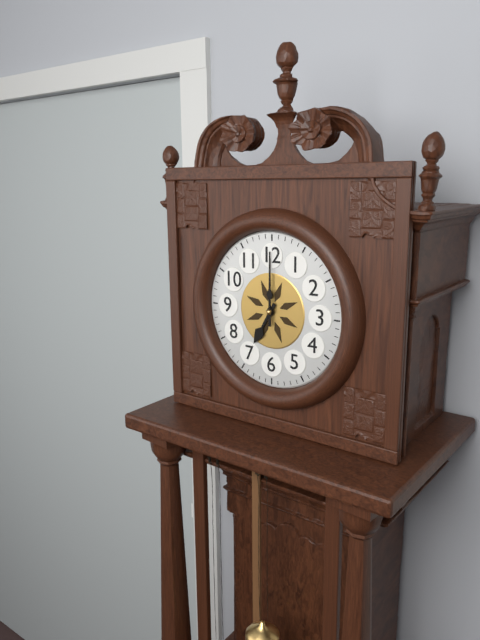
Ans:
7 h 00 min
